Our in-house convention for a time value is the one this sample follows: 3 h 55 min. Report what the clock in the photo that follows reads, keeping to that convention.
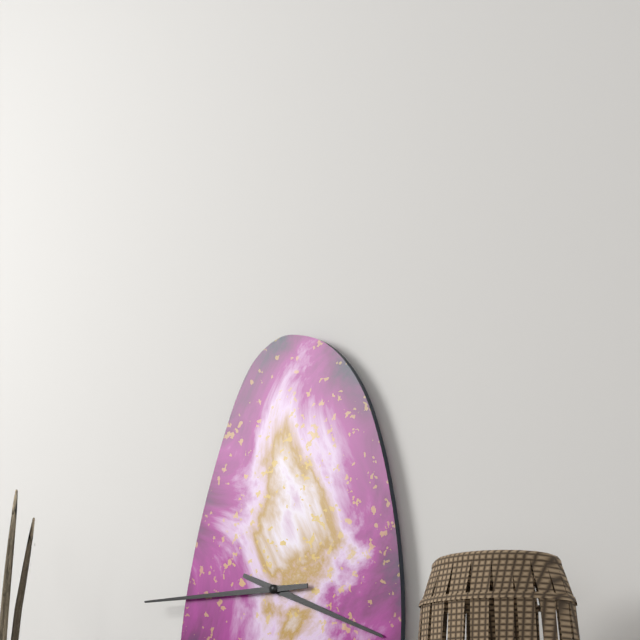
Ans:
3 h 45 min
